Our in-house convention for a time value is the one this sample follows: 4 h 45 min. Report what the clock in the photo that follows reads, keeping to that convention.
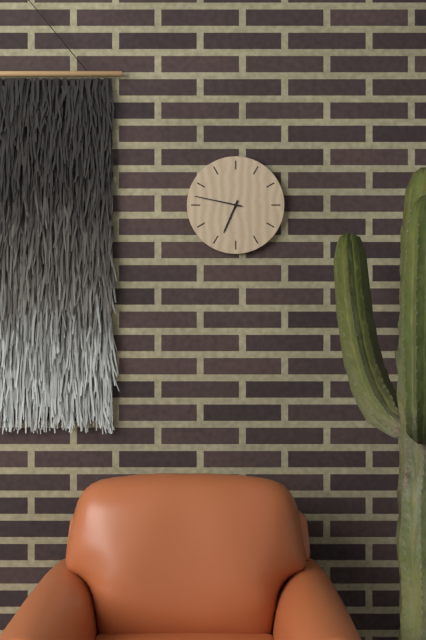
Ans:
6 h 47 min
